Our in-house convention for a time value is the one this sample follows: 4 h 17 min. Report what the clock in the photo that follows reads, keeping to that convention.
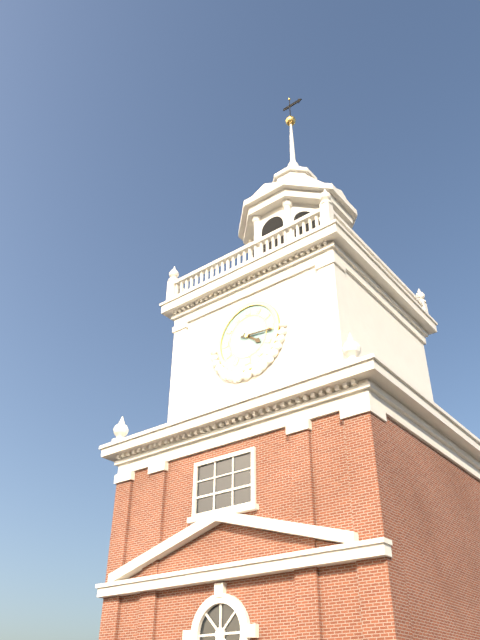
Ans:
4 h 16 min
